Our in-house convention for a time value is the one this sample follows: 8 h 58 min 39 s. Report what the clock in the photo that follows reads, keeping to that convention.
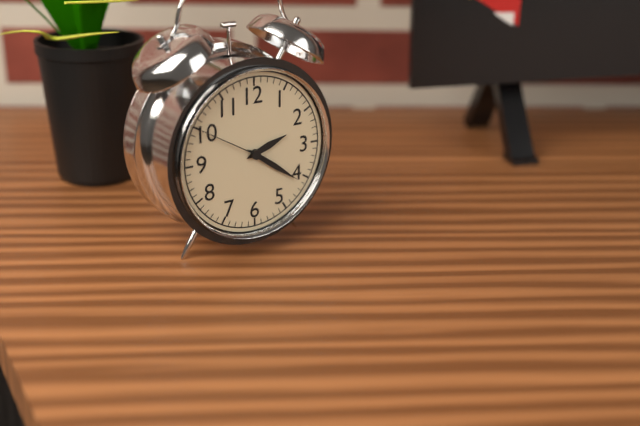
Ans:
2 h 21 min 50 s
